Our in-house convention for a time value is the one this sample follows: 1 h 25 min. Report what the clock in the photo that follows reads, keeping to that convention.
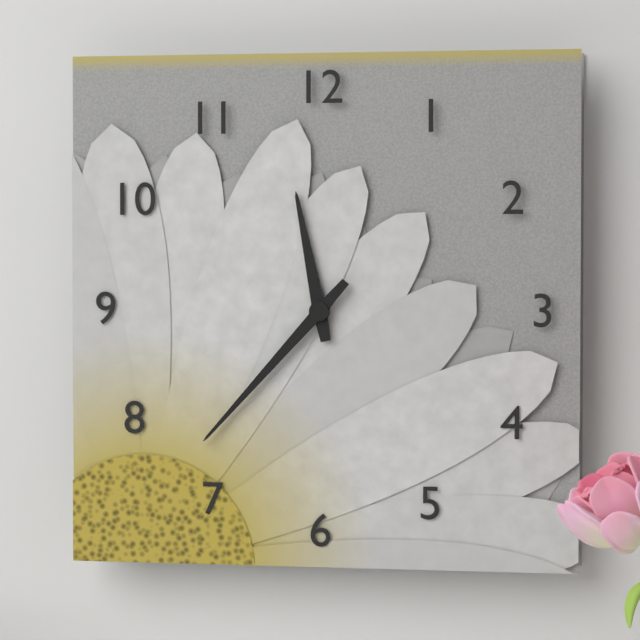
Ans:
11 h 37 min
